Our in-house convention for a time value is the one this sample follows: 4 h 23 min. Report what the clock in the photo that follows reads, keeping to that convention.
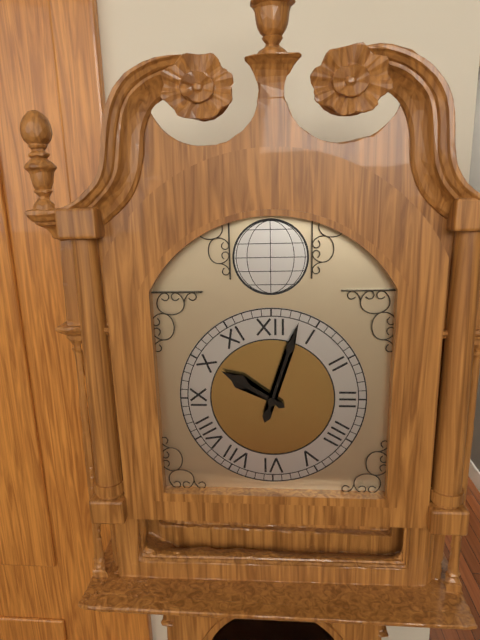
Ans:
10 h 03 min
